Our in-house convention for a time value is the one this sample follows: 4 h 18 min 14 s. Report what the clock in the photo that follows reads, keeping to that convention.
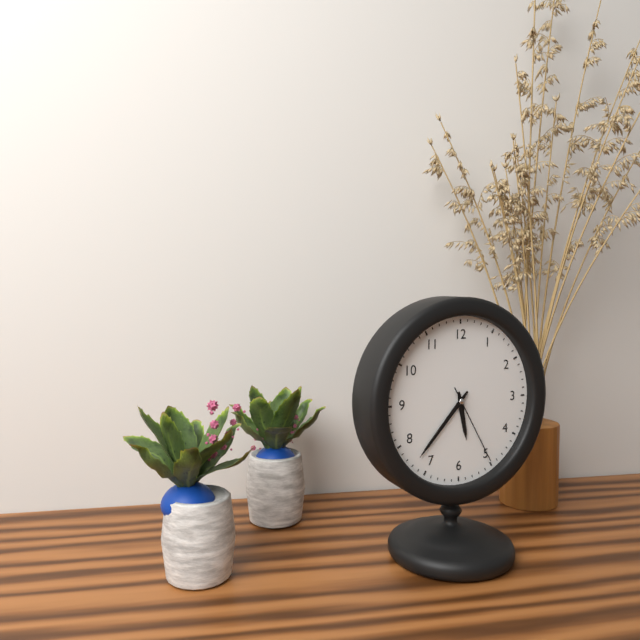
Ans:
5 h 37 min 25 s
